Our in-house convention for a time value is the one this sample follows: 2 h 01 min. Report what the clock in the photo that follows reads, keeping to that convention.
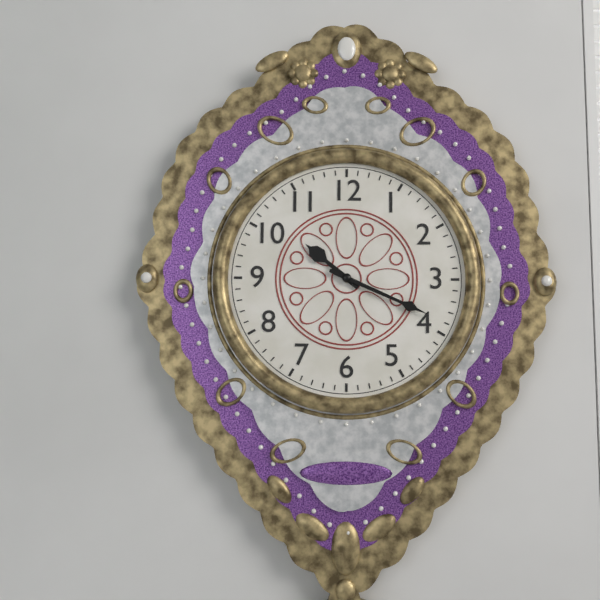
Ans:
10 h 19 min
